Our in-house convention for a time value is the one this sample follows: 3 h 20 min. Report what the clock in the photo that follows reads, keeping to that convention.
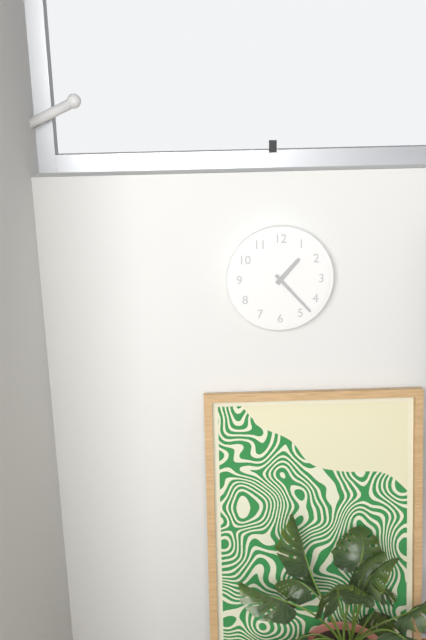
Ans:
1 h 23 min
